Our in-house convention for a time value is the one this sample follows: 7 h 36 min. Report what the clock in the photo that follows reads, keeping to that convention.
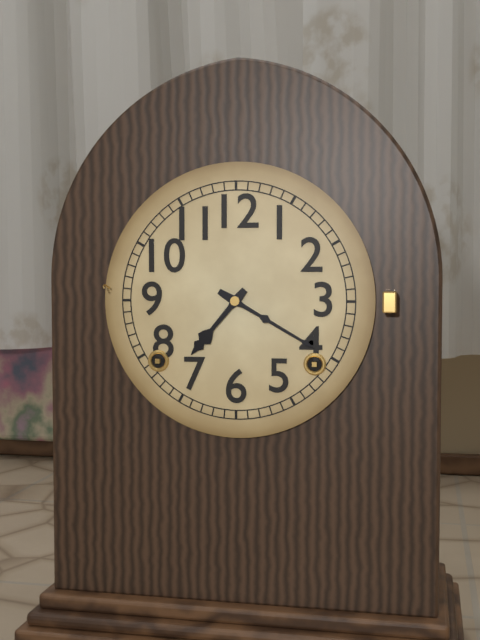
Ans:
7 h 20 min
